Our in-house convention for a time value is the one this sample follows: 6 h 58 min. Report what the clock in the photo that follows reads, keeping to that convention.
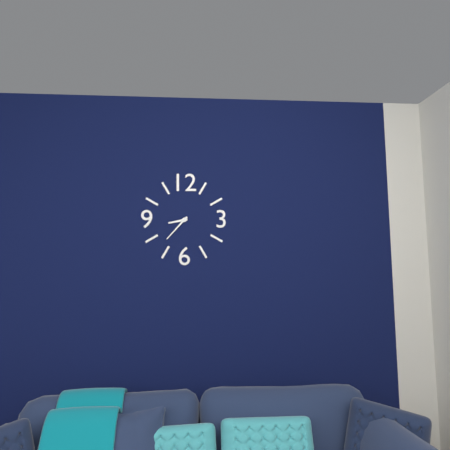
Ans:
8 h 37 min
